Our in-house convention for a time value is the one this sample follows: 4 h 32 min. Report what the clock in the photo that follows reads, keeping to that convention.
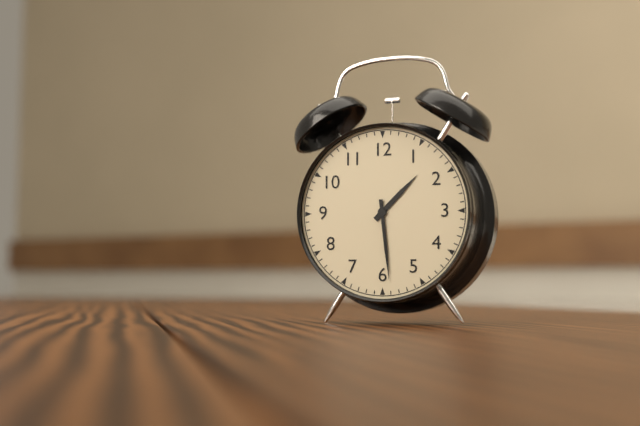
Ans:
1 h 29 min
